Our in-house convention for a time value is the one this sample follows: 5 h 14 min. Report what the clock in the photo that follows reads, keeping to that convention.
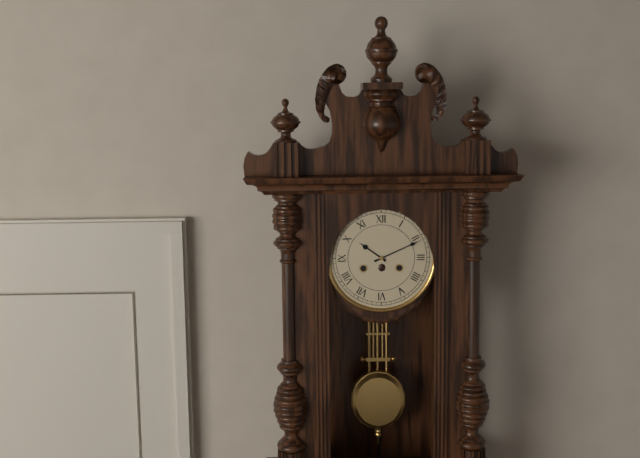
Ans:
10 h 11 min
